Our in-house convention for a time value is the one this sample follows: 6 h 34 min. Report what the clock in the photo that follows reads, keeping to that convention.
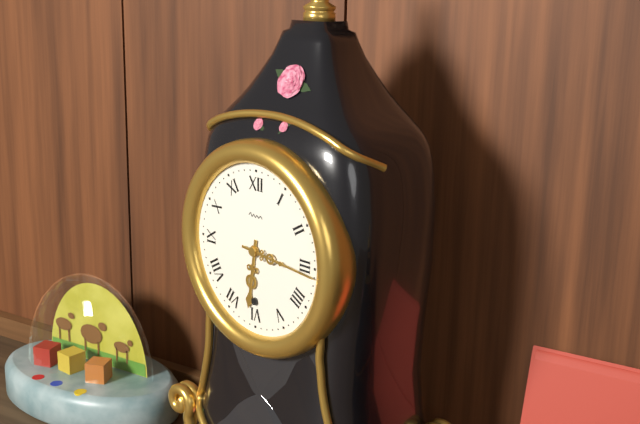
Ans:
6 h 16 min
